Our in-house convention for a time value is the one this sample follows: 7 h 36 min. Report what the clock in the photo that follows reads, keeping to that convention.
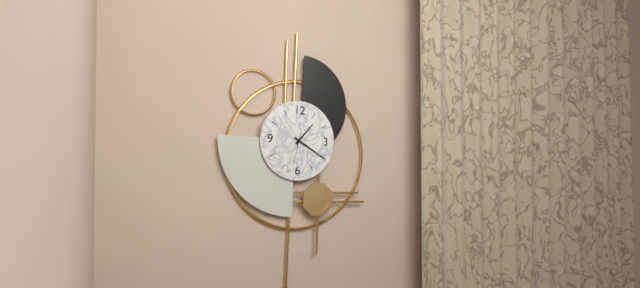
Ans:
1 h 20 min
